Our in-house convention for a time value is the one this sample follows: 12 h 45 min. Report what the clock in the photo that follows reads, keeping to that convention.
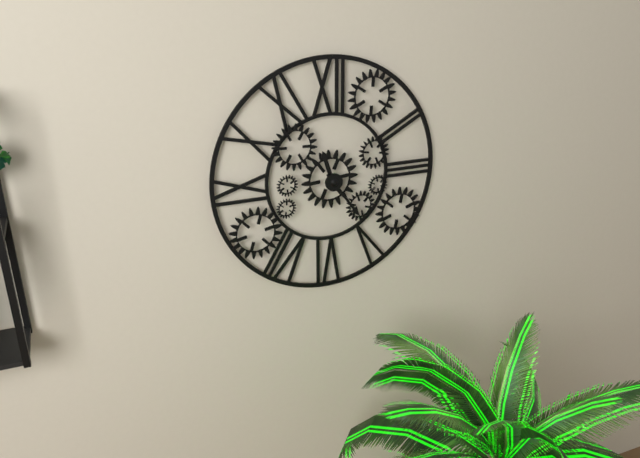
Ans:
11 h 24 min
